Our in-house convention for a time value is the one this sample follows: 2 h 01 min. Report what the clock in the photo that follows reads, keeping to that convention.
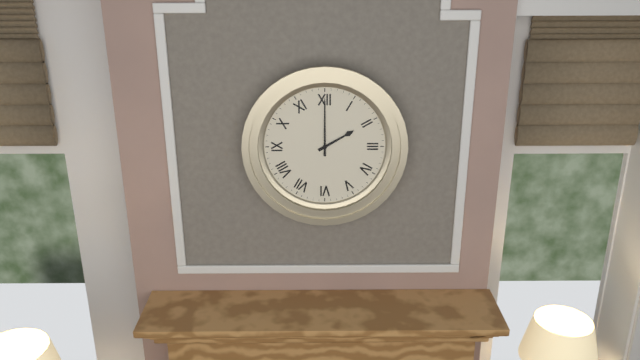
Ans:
2 h 00 min
